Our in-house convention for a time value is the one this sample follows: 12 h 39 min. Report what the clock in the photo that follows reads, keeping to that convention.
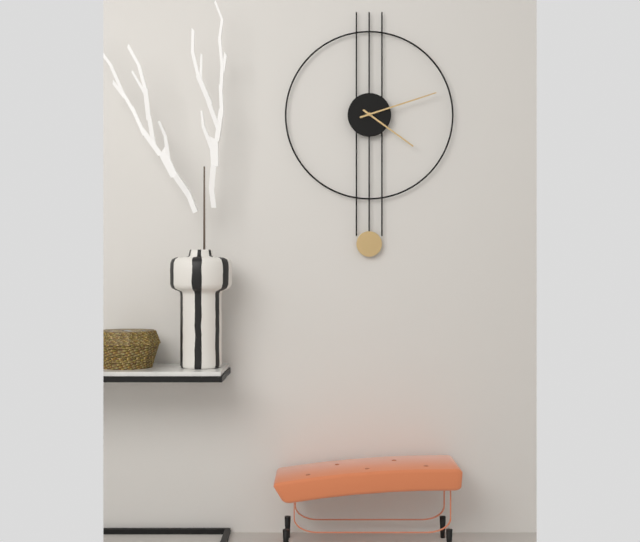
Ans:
4 h 12 min
